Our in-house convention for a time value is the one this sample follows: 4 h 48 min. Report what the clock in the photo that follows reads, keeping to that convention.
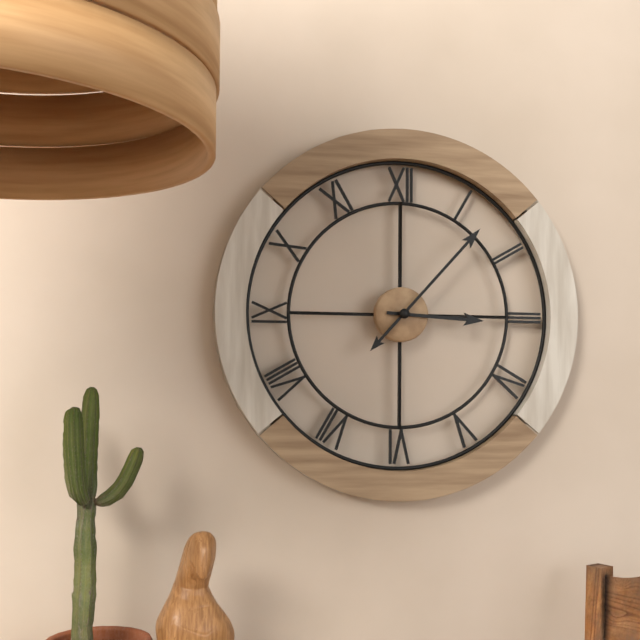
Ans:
3 h 07 min
